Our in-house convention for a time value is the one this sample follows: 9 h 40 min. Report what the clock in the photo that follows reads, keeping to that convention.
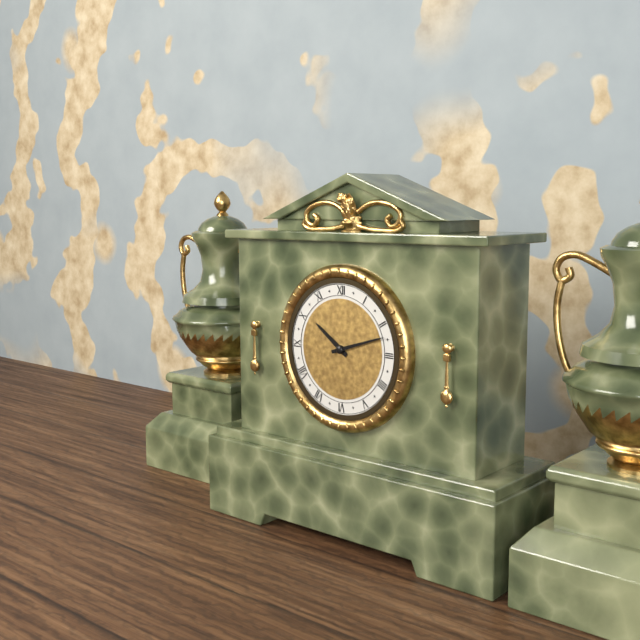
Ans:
10 h 12 min
